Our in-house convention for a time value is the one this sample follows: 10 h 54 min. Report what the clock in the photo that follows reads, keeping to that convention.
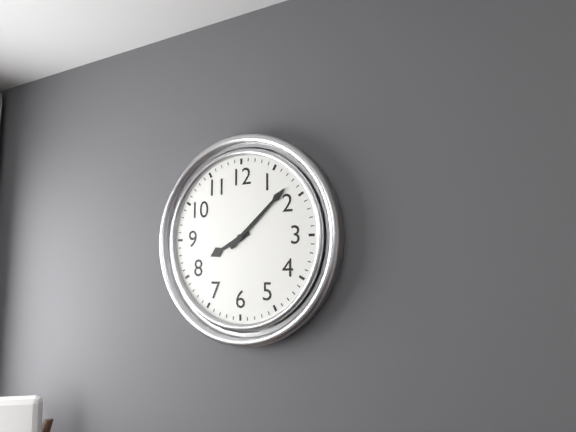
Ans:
8 h 08 min
